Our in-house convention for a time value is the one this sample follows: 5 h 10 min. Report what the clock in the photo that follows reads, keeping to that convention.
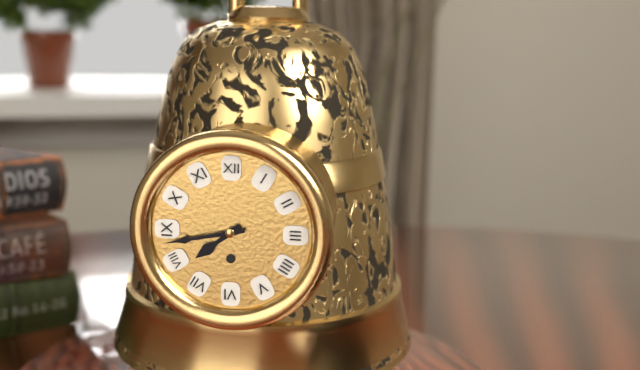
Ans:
7 h 43 min
